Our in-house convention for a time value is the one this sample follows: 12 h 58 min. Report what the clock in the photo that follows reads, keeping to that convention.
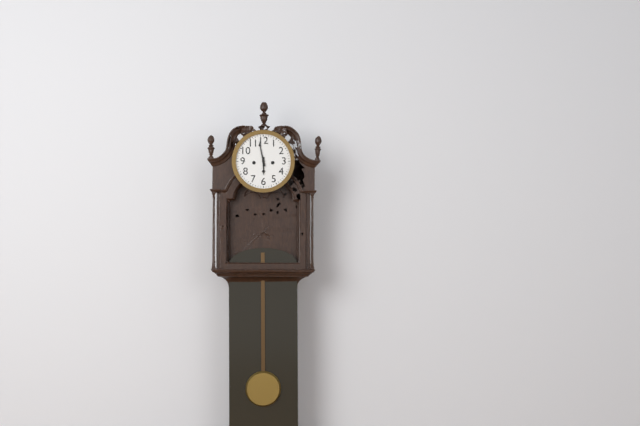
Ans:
5 h 58 min
